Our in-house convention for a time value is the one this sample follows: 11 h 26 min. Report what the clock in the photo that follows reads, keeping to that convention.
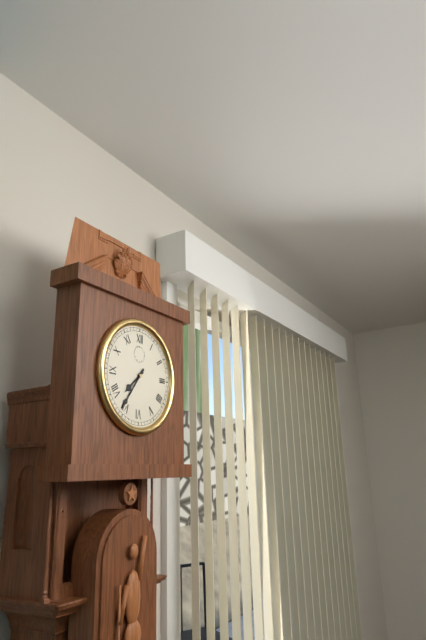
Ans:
7 h 36 min
